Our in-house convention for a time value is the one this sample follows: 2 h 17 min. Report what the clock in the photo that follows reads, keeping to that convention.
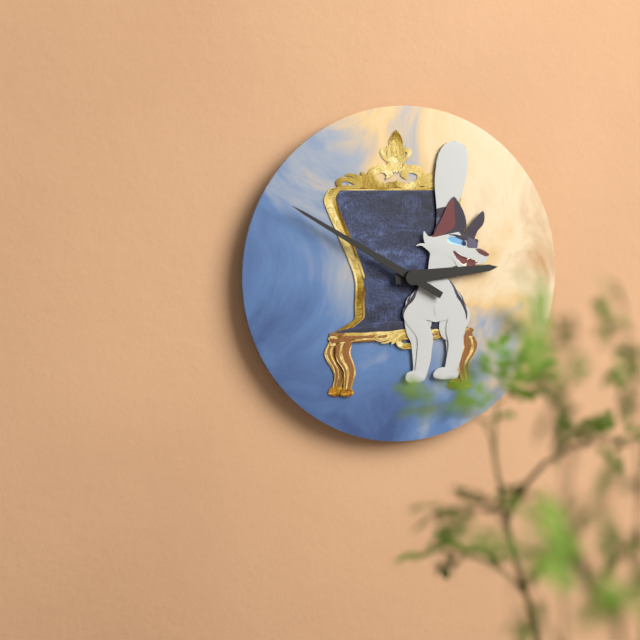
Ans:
2 h 50 min
